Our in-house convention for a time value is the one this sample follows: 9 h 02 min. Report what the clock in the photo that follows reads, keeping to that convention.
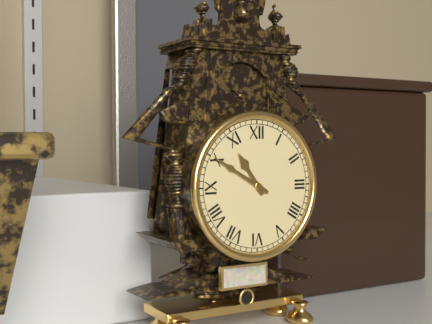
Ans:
10 h 50 min
